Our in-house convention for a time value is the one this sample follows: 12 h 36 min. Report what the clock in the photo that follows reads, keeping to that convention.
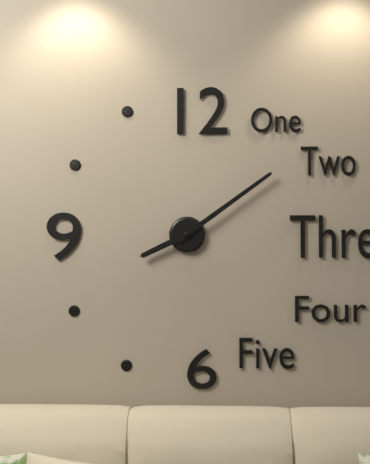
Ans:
8 h 09 min
